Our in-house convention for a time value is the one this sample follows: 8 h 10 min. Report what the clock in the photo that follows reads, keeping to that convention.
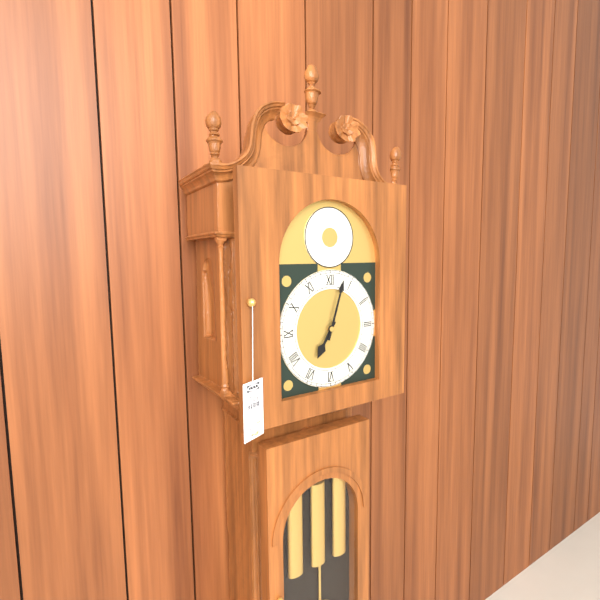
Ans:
7 h 03 min
